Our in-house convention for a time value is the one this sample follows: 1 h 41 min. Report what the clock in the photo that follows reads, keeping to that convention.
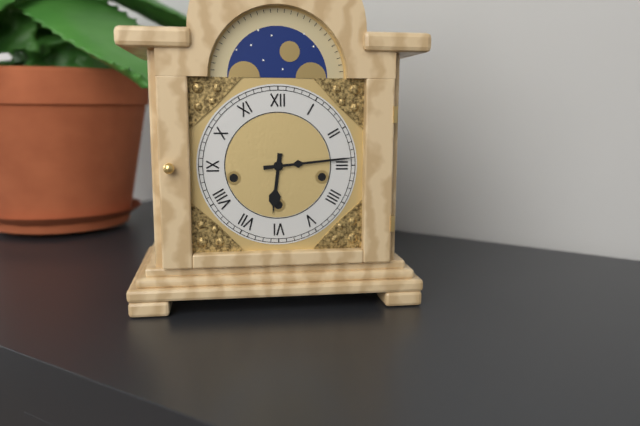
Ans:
6 h 14 min
